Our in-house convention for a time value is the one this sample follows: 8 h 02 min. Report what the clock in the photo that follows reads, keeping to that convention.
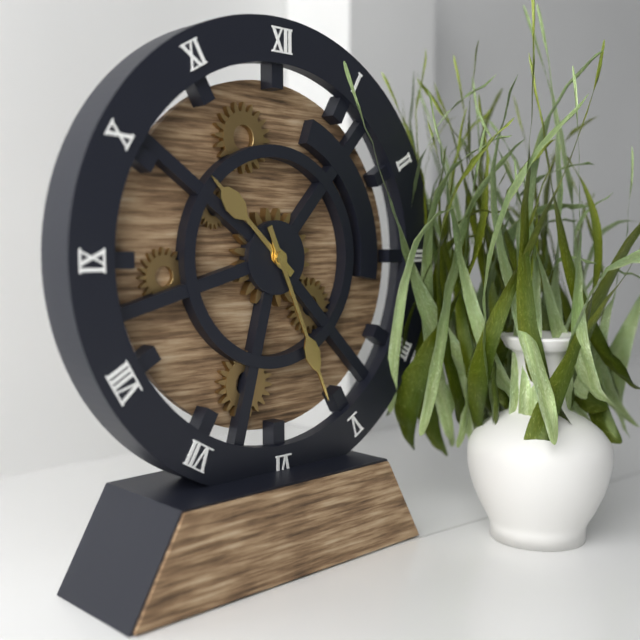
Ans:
10 h 26 min
